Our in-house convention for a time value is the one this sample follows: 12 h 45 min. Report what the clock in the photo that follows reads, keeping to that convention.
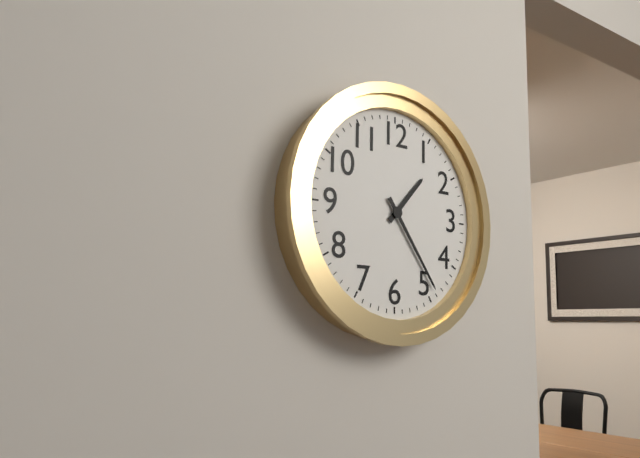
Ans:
1 h 24 min
